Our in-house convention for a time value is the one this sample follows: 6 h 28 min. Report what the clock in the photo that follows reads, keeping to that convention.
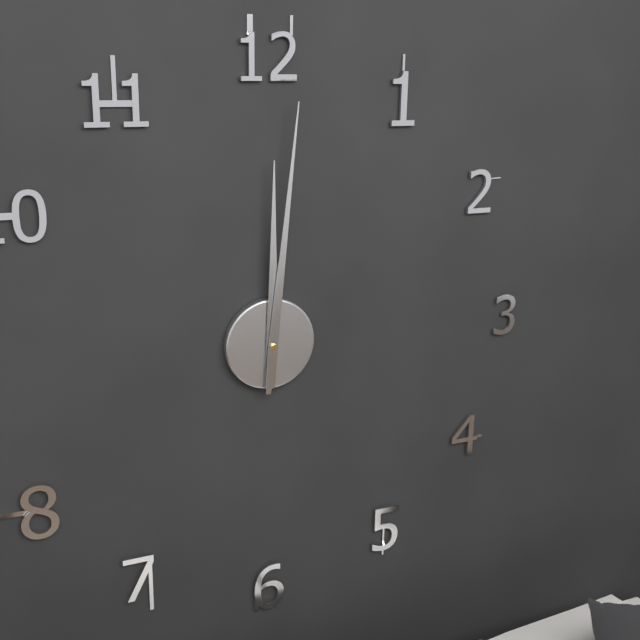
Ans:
12 h 01 min
